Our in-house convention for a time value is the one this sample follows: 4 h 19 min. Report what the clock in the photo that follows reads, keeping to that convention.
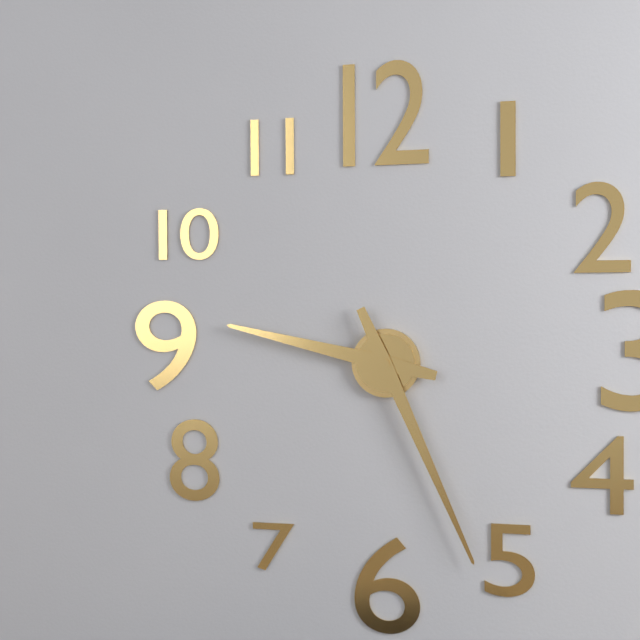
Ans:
9 h 26 min
